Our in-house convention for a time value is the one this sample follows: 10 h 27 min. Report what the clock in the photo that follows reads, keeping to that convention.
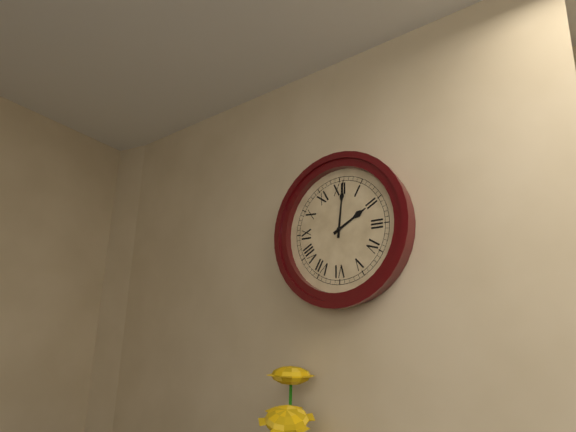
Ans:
2 h 01 min
